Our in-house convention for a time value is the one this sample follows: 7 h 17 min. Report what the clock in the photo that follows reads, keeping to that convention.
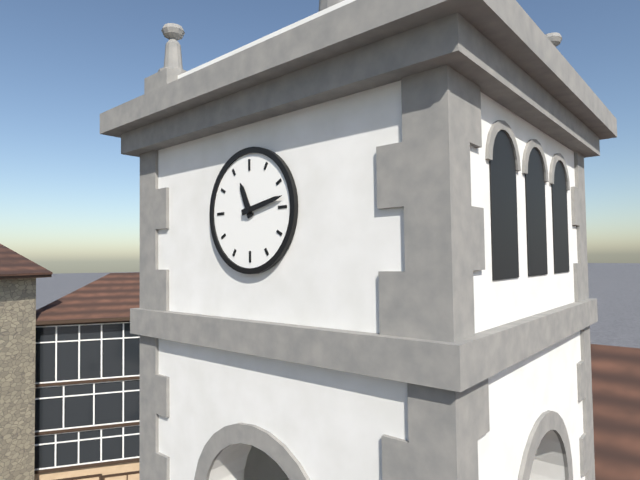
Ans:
11 h 13 min
